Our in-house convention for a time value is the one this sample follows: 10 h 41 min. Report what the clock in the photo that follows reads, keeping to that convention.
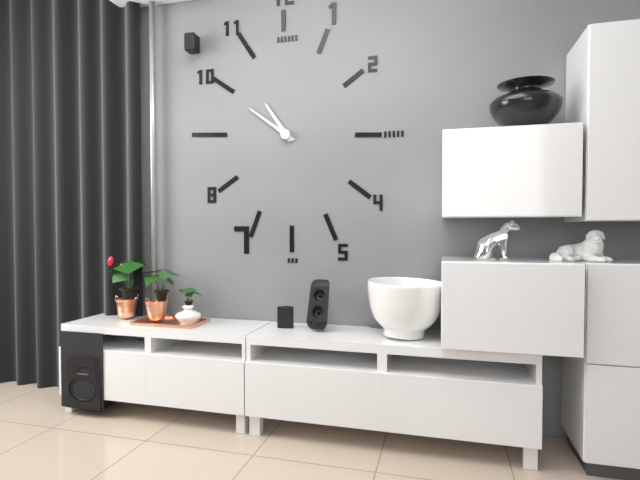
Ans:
10 h 51 min
